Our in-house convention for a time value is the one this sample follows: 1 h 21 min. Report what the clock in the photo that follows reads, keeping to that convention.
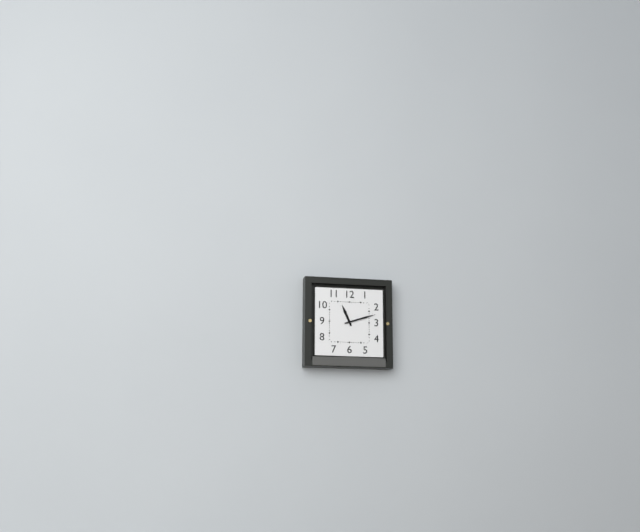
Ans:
11 h 12 min
